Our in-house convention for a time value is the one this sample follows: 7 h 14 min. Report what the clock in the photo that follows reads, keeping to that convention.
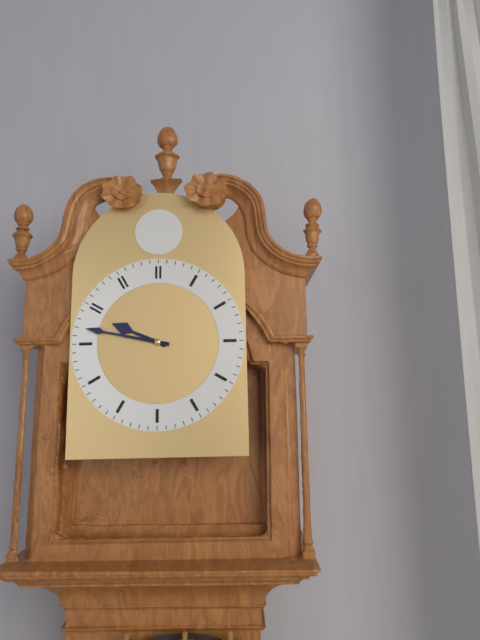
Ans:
9 h 47 min
